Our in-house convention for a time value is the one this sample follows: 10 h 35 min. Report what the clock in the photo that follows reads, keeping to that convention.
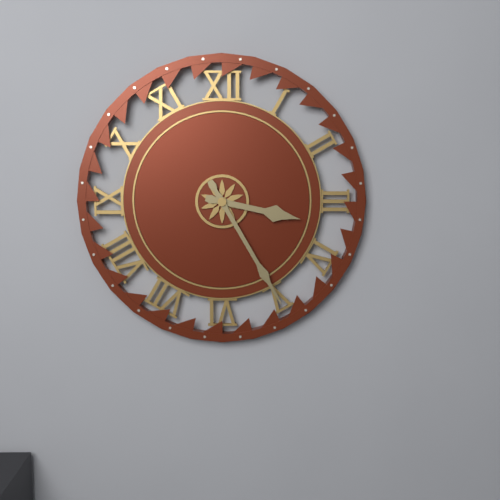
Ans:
3 h 25 min
